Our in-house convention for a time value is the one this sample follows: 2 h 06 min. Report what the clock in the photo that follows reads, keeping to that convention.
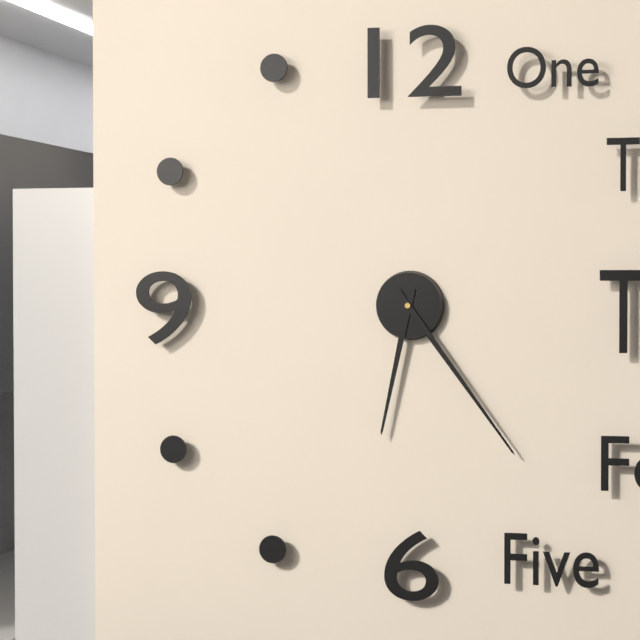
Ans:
6 h 24 min
